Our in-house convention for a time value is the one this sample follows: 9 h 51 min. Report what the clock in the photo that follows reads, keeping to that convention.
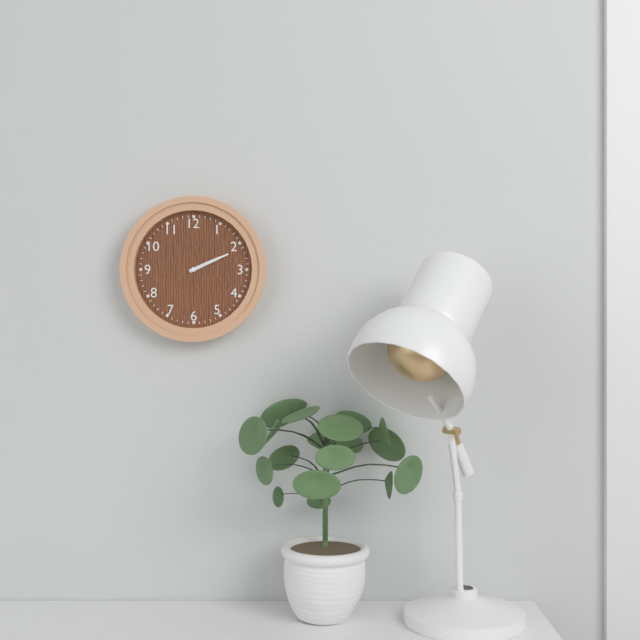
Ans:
2 h 11 min
